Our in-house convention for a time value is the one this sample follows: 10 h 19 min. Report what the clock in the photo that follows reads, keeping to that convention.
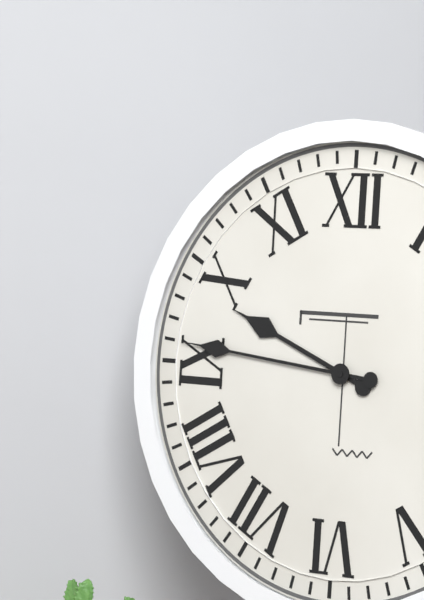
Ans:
9 h 46 min
